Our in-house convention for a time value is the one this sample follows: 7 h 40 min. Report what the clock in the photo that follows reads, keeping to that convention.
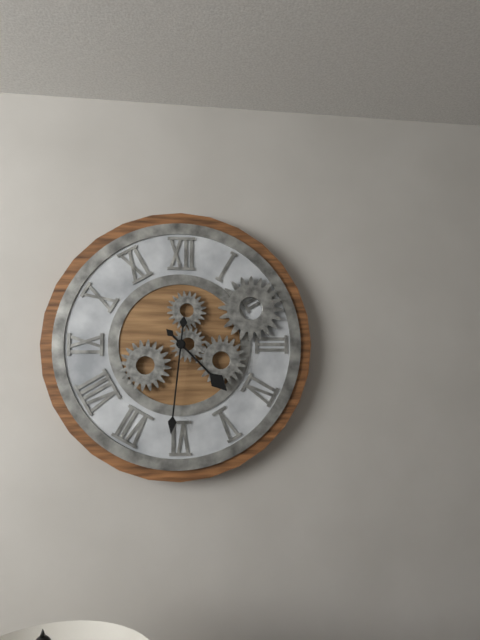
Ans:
4 h 31 min
